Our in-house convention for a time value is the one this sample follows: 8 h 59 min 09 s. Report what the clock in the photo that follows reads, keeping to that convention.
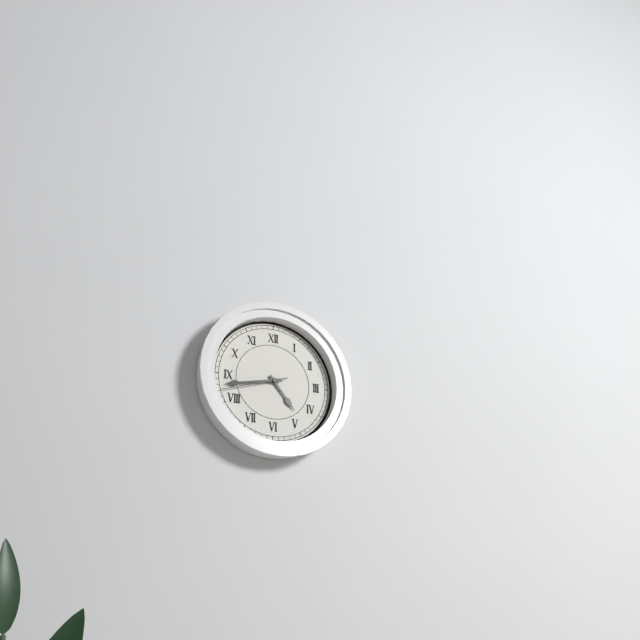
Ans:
4 h 43 min 42 s
